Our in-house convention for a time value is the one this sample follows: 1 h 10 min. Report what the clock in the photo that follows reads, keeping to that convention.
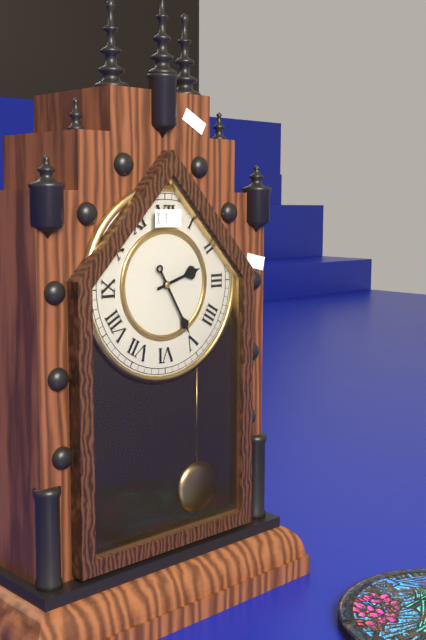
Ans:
2 h 25 min
